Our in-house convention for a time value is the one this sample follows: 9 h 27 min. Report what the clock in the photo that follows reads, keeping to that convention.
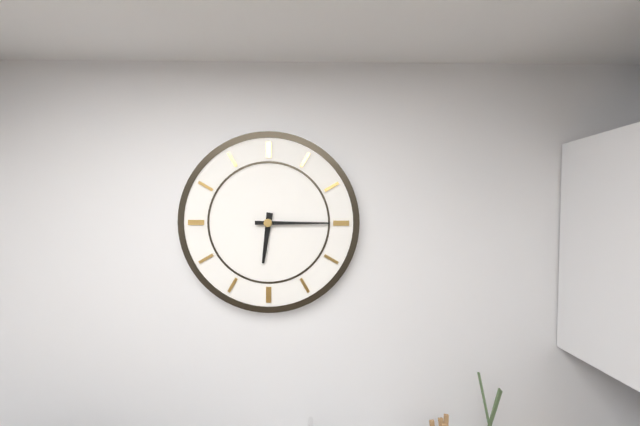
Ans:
6 h 15 min
